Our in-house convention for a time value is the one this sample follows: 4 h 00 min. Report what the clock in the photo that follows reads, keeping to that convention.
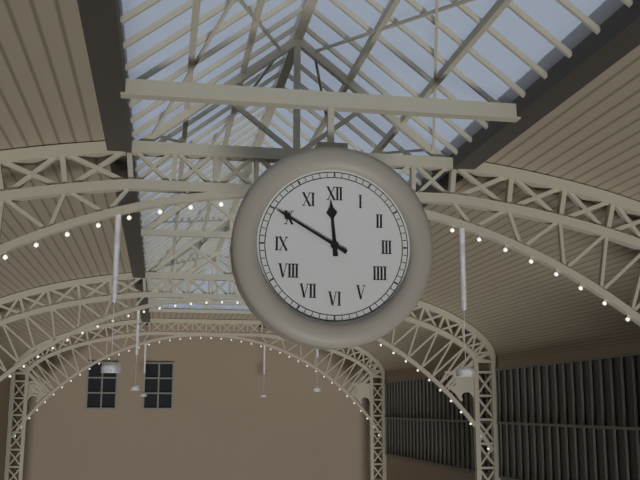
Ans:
11 h 50 min
